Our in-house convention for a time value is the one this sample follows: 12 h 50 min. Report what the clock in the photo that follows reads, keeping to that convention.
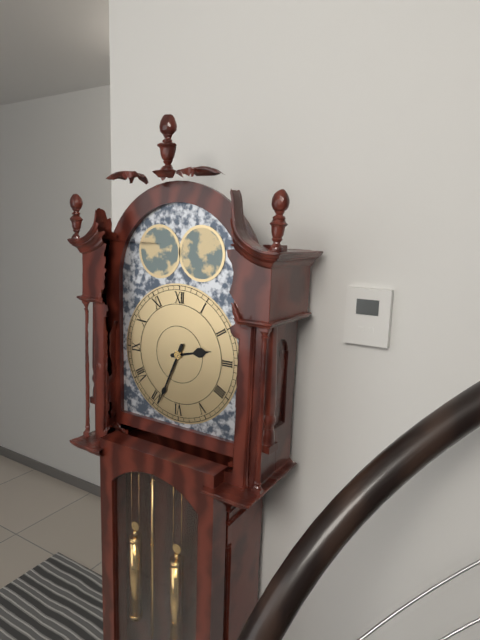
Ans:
2 h 34 min
